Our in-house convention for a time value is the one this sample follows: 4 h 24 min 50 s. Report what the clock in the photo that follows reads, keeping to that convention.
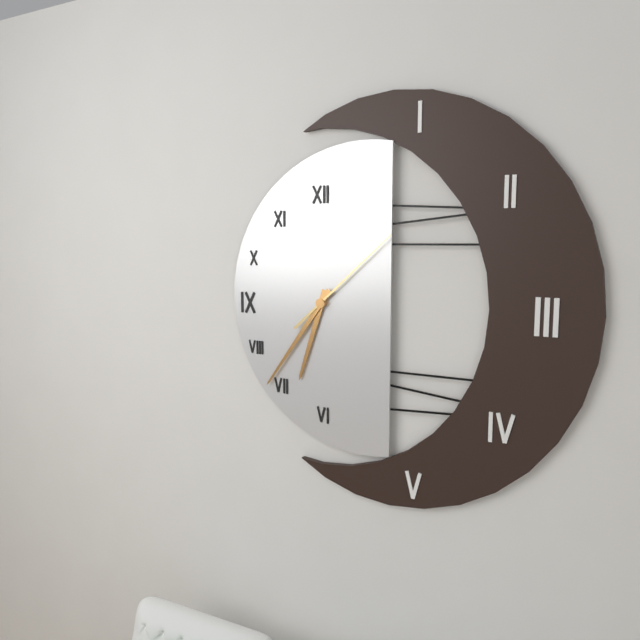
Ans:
6 h 36 min 08 s
